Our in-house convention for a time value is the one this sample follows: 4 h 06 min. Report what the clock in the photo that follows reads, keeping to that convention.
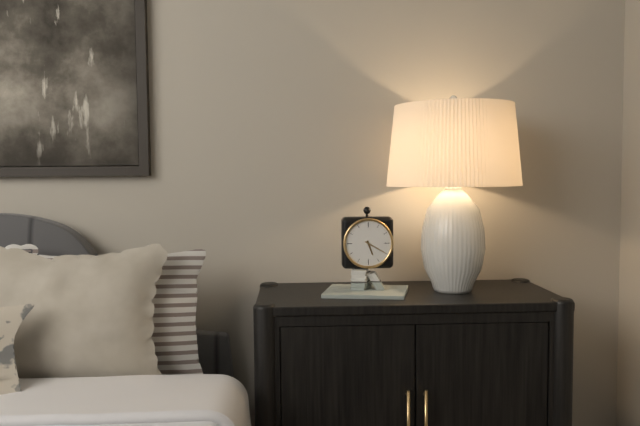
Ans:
5 h 20 min
